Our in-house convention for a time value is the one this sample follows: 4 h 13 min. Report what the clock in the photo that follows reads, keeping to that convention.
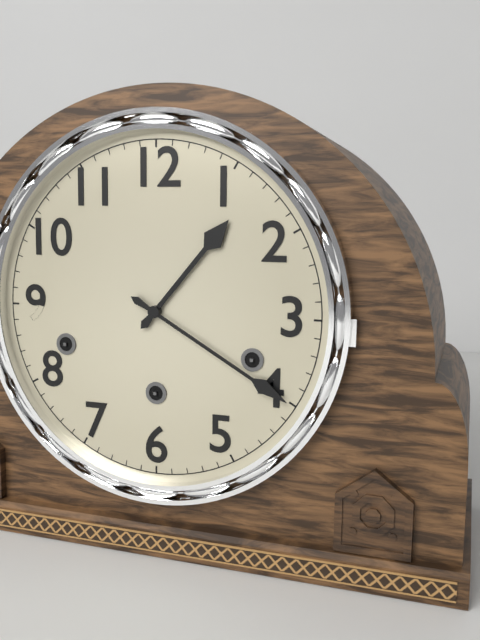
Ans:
1 h 20 min
